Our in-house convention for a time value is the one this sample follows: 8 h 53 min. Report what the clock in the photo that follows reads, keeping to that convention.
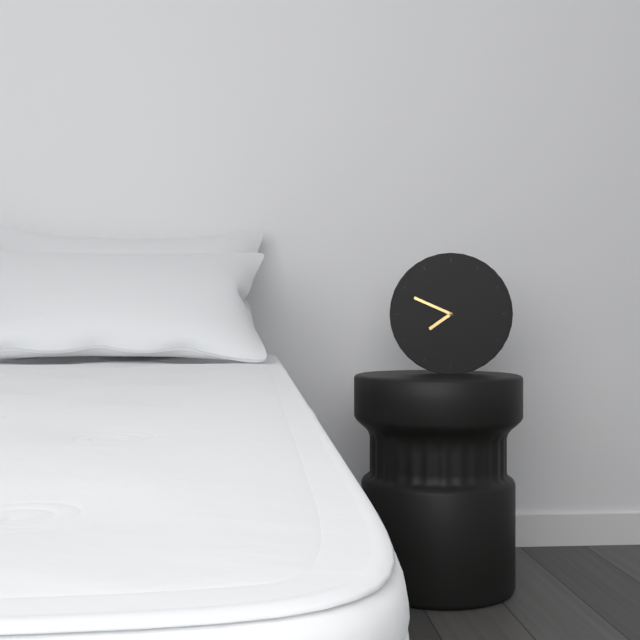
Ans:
7 h 49 min
